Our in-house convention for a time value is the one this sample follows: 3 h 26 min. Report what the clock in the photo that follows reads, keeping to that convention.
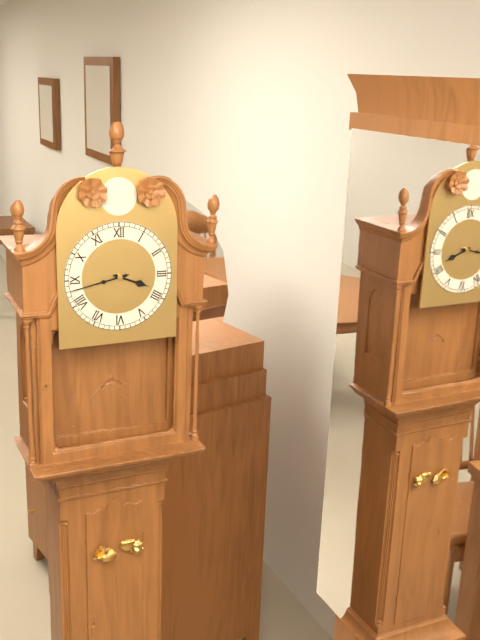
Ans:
3 h 43 min
